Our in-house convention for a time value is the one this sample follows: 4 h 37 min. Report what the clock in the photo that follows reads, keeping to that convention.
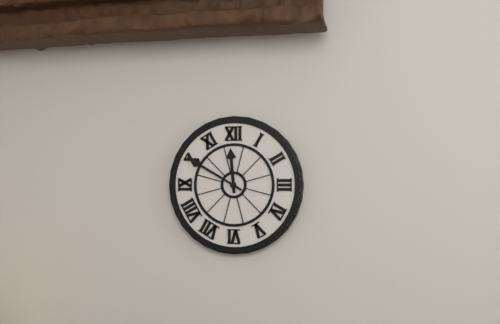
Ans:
11 h 50 min
